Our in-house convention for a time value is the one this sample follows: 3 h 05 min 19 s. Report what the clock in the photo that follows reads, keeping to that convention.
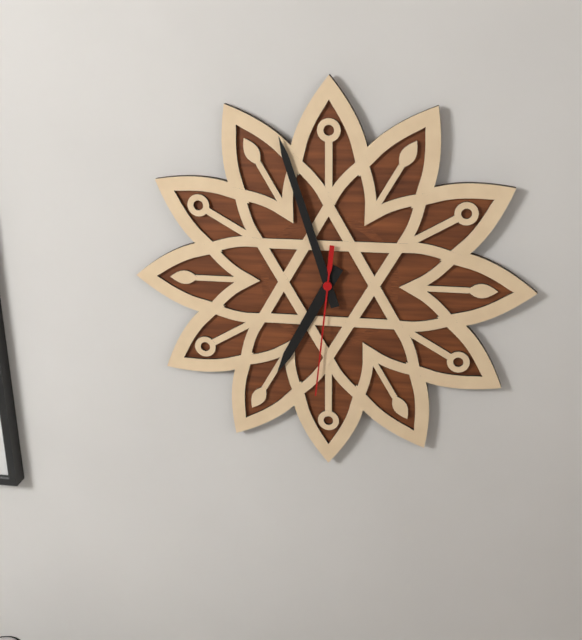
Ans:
6 h 57 min 31 s
